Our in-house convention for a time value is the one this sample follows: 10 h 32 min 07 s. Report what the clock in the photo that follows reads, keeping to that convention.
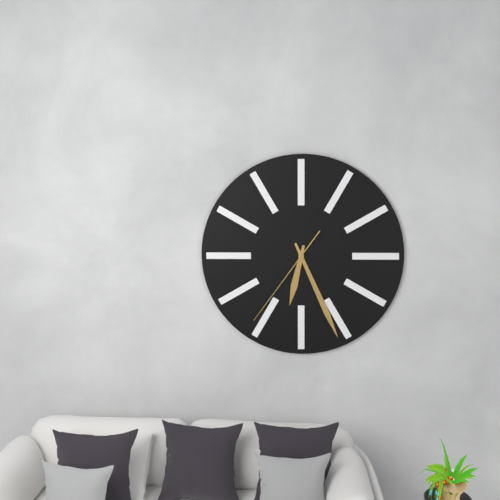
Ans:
6 h 26 min 36 s
